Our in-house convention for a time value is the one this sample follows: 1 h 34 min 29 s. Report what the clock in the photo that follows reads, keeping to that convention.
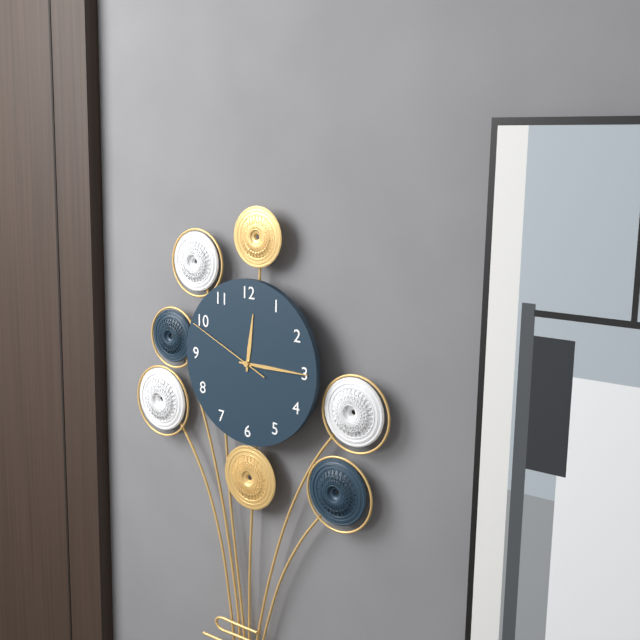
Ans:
12 h 15 min 49 s
